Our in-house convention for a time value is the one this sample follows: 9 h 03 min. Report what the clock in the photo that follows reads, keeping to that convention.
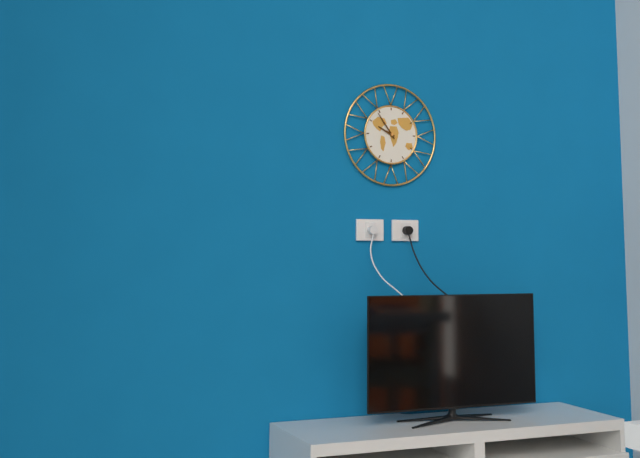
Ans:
9 h 54 min
